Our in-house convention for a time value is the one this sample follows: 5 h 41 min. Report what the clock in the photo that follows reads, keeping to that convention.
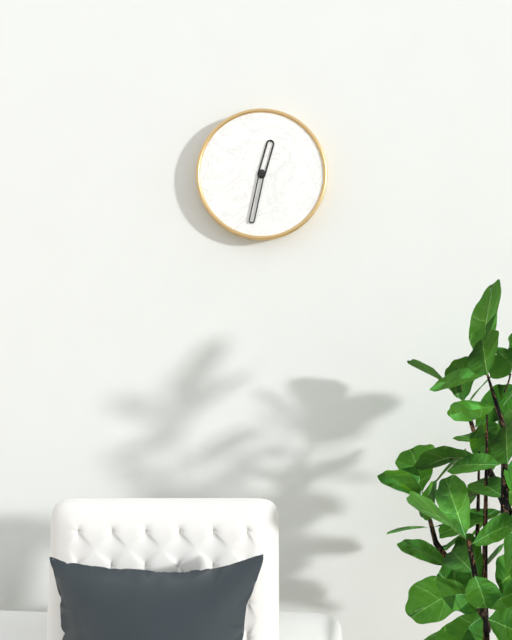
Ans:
12 h 32 min
